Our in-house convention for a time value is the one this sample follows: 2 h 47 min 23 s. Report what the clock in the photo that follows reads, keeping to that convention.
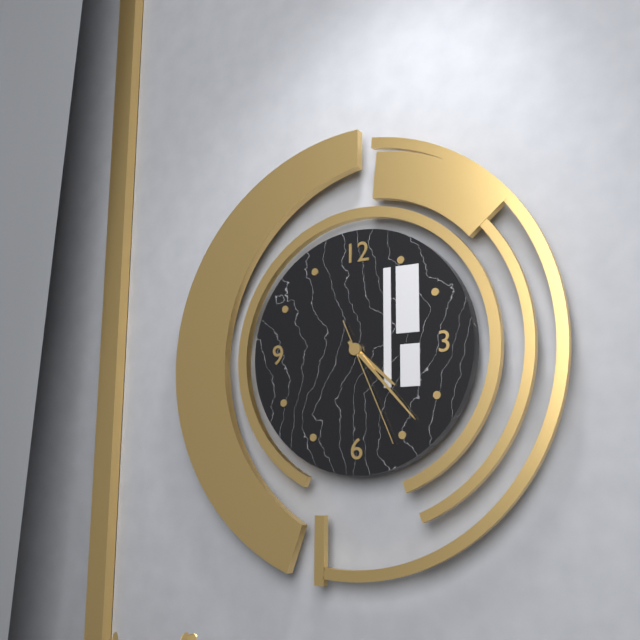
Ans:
4 h 23 min 26 s
